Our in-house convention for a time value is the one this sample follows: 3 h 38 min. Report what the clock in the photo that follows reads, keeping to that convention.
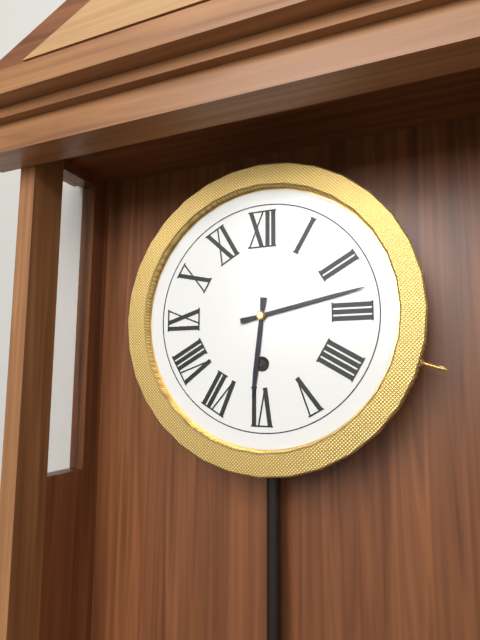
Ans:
6 h 13 min
